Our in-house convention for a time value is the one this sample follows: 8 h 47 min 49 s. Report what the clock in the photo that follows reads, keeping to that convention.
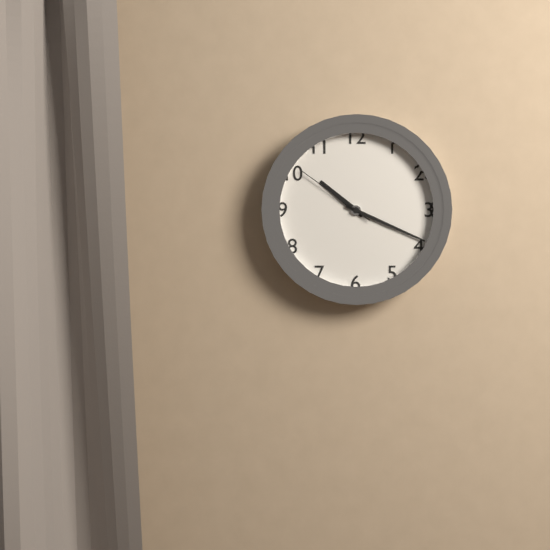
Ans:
10 h 19 min 51 s
